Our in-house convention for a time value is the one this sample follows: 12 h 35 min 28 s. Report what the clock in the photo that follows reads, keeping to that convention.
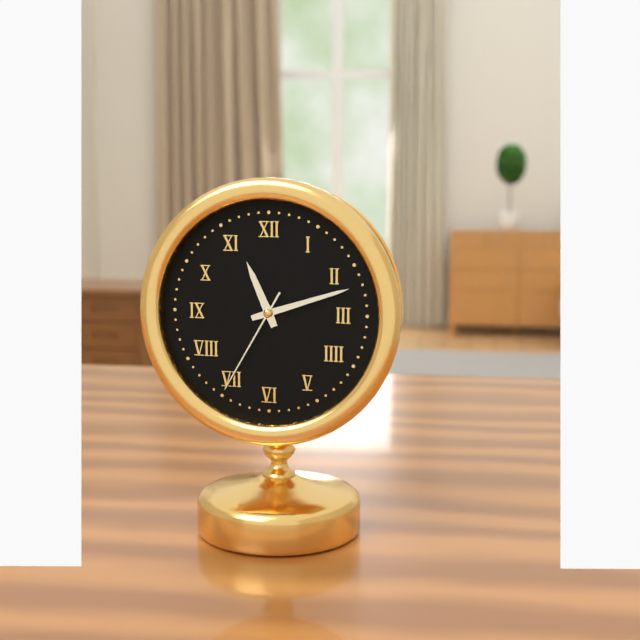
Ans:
11 h 12 min 35 s
